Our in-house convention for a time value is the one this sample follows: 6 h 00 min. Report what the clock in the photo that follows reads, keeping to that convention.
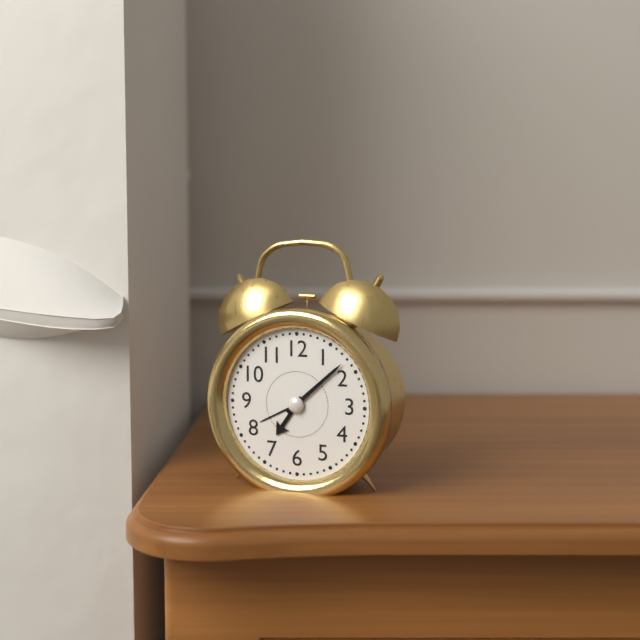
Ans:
7 h 08 min
